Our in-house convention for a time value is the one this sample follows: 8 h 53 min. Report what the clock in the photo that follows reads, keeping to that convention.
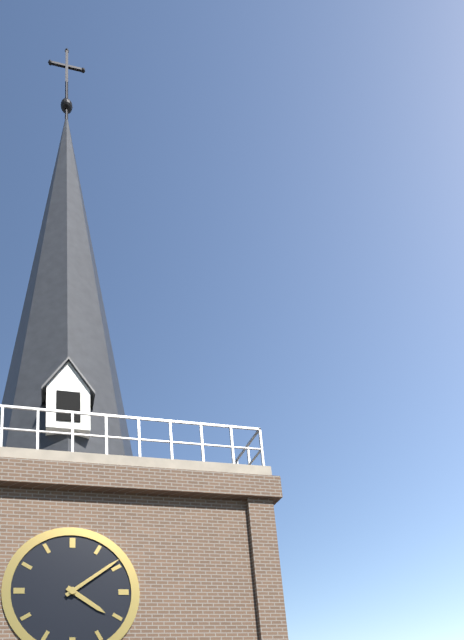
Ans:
4 h 09 min
